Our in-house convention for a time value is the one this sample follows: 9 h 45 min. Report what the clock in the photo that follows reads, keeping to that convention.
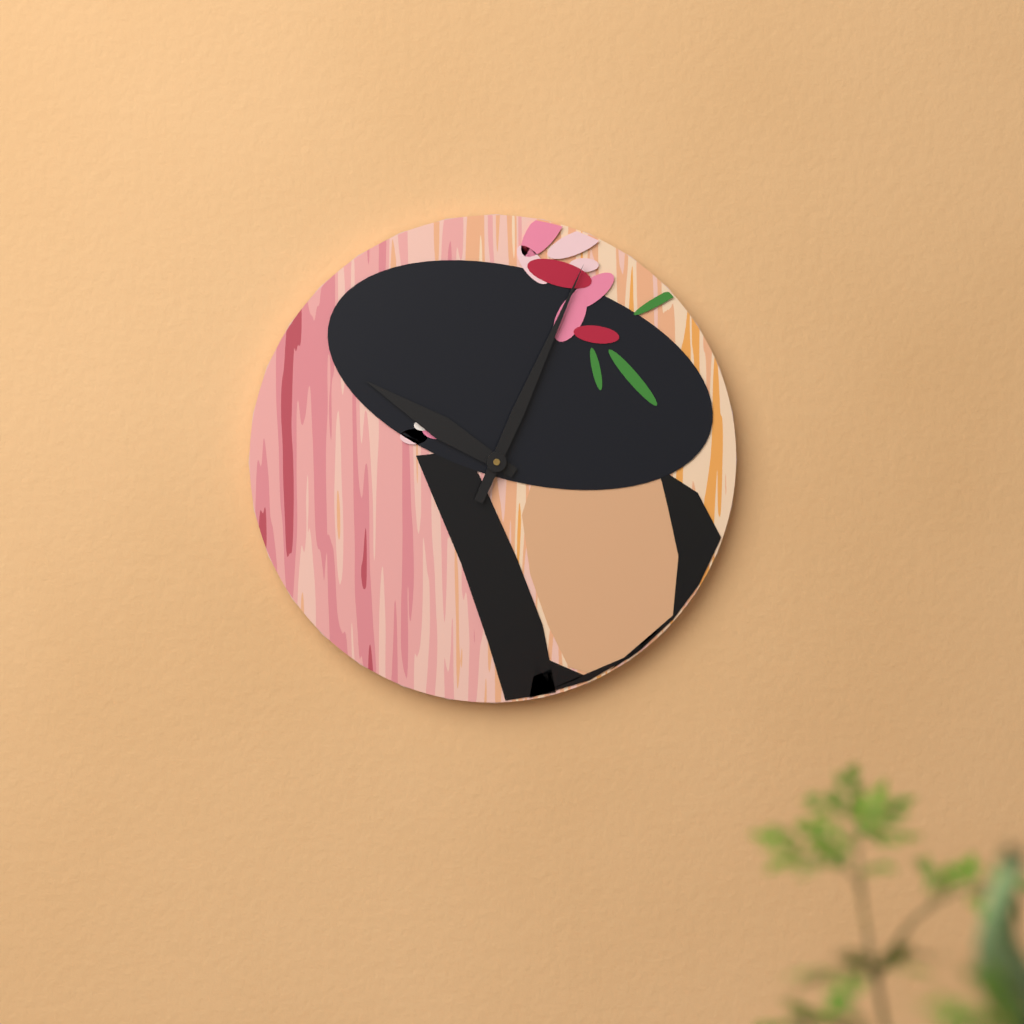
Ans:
10 h 04 min
